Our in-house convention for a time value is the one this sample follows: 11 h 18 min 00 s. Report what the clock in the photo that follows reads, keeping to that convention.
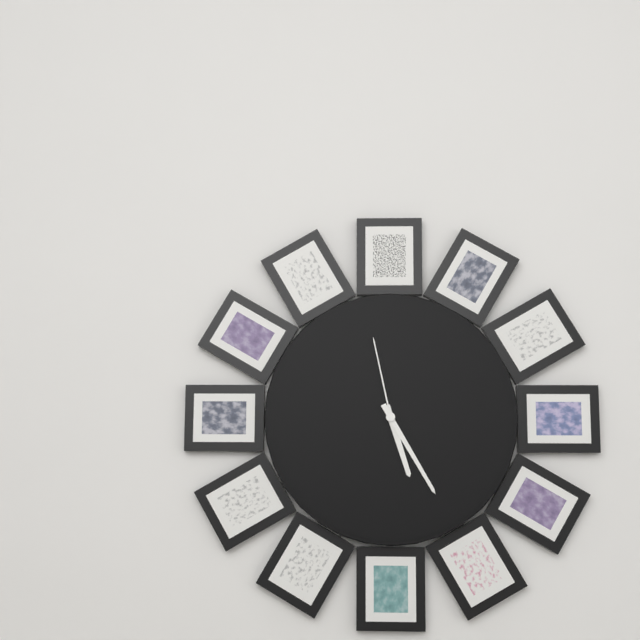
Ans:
5 h 25 min 58 s
